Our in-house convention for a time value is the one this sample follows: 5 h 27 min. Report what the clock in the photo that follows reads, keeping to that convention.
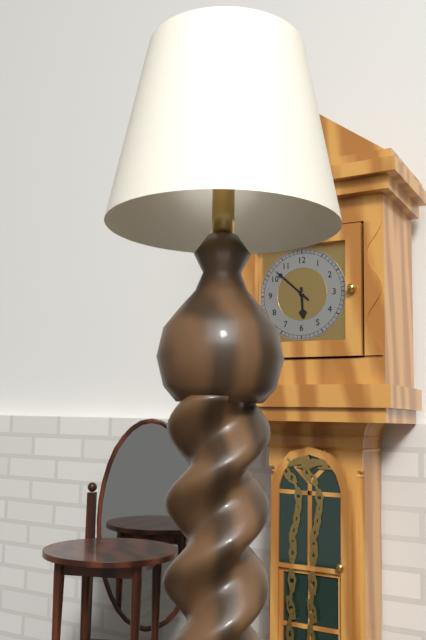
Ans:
5 h 52 min
